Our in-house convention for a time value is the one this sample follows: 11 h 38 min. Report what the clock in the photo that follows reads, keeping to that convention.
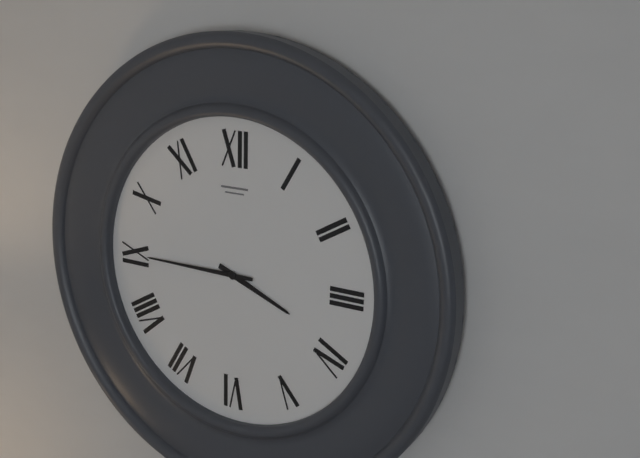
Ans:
3 h 45 min
